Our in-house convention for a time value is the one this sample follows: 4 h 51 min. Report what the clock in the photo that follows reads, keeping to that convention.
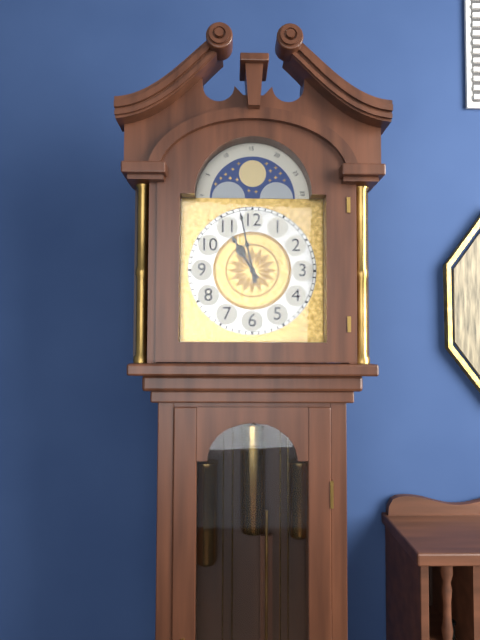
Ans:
10 h 58 min
